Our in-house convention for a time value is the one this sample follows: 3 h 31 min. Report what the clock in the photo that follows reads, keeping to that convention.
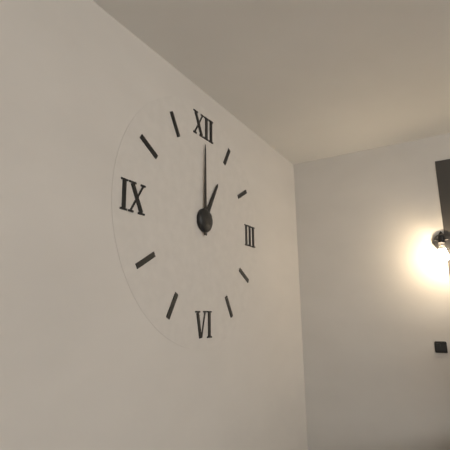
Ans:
1 h 00 min
